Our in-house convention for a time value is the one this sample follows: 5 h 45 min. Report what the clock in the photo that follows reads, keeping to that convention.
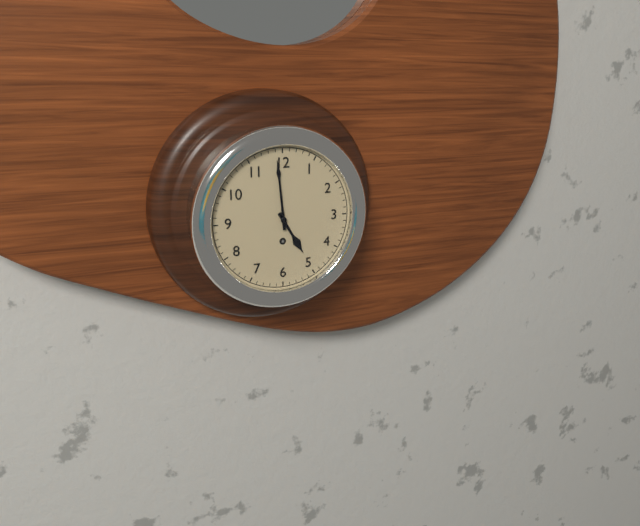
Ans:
4 h 59 min
